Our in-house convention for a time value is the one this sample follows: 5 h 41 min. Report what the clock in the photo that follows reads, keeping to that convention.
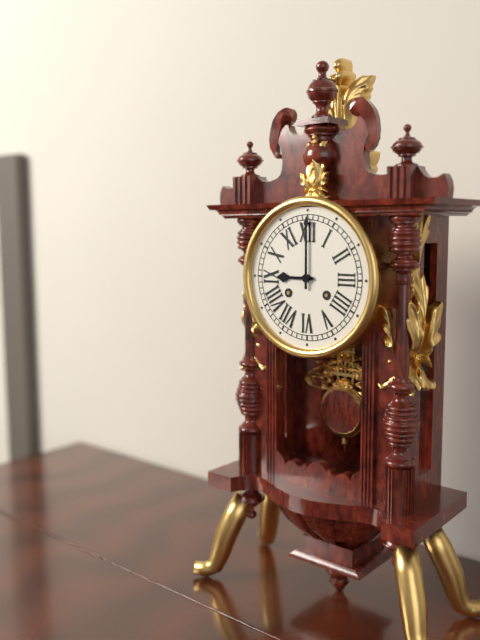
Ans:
9 h 00 min
